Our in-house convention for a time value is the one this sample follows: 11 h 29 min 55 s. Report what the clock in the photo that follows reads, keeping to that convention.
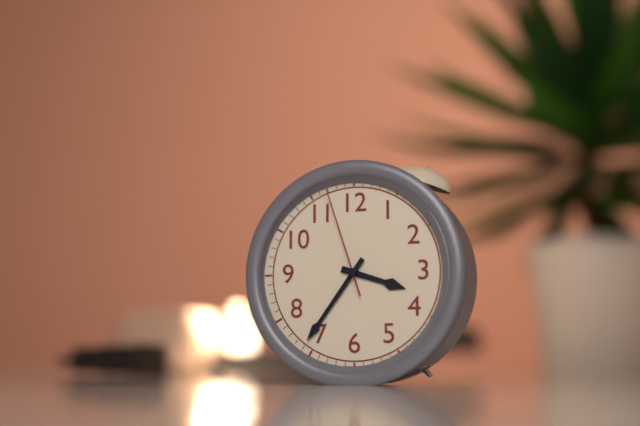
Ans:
3 h 36 min 57 s
